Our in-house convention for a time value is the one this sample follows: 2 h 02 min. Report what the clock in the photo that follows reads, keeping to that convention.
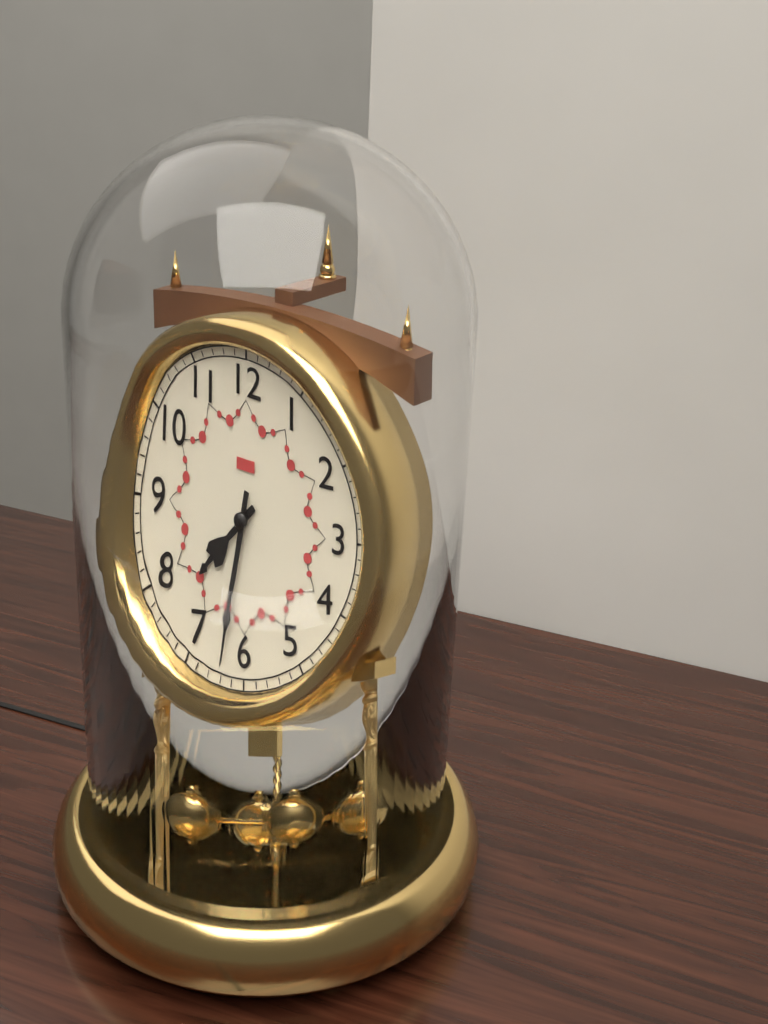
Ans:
7 h 32 min
